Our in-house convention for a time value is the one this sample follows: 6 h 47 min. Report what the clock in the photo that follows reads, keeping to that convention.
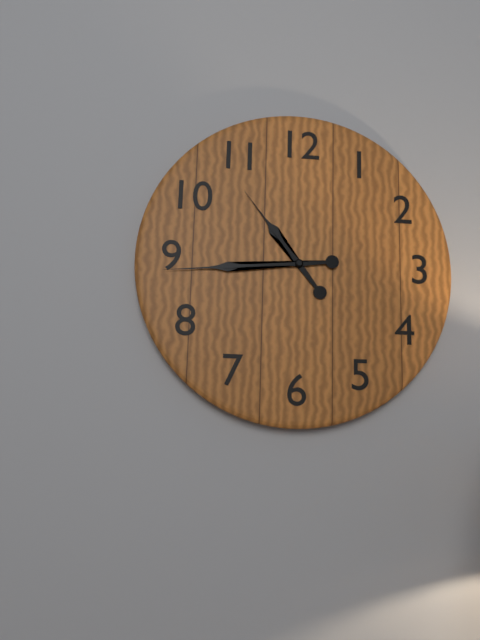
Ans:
10 h 44 min
